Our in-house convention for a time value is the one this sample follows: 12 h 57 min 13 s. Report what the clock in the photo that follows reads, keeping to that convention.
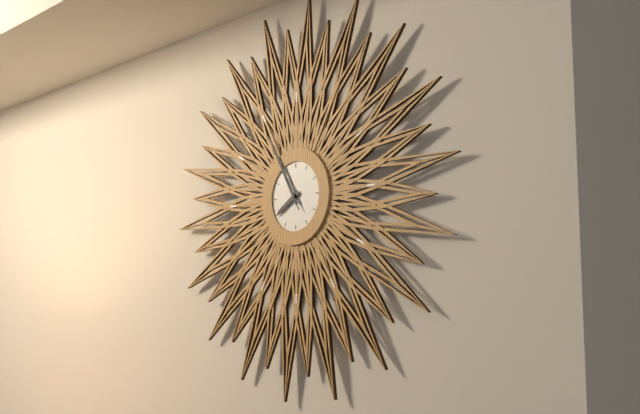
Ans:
7 h 55 min 55 s
